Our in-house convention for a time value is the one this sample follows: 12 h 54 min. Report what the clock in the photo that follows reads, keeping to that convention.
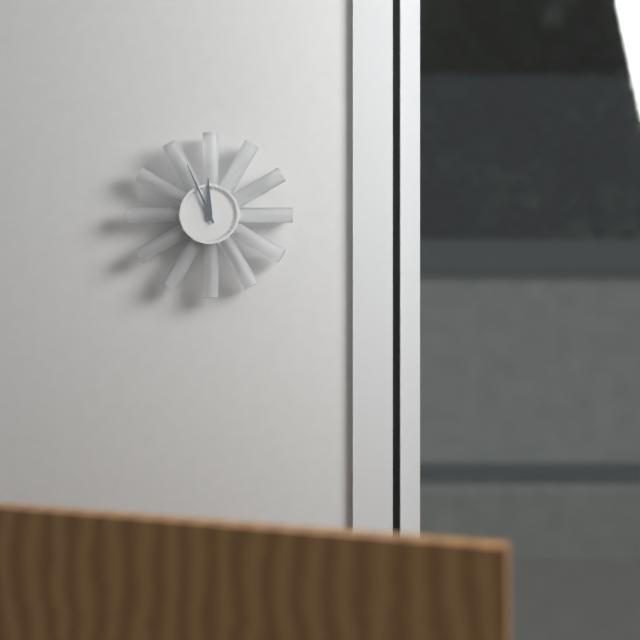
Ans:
11 h 56 min
